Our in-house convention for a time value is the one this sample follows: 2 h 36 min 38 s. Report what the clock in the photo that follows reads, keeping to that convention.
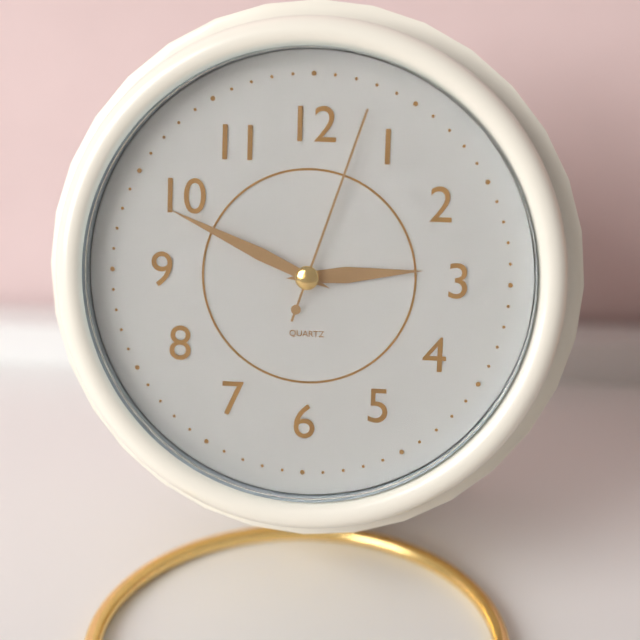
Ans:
2 h 49 min 03 s
